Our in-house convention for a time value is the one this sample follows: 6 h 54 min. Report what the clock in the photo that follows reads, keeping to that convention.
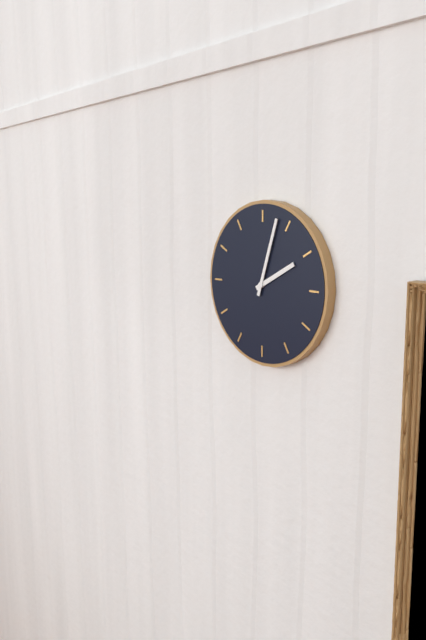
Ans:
2 h 03 min
